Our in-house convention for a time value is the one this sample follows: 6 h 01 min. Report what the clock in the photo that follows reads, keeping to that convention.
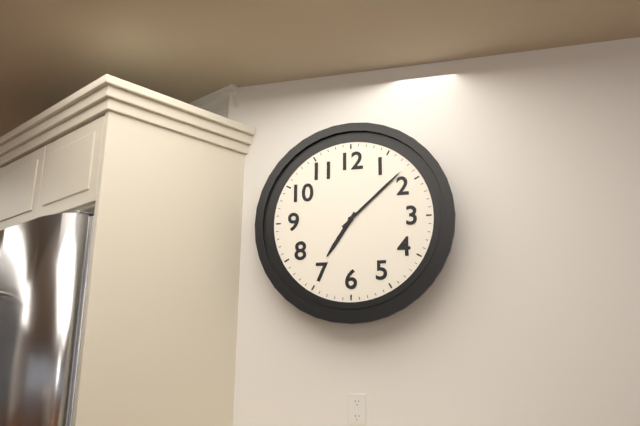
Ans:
7 h 08 min
